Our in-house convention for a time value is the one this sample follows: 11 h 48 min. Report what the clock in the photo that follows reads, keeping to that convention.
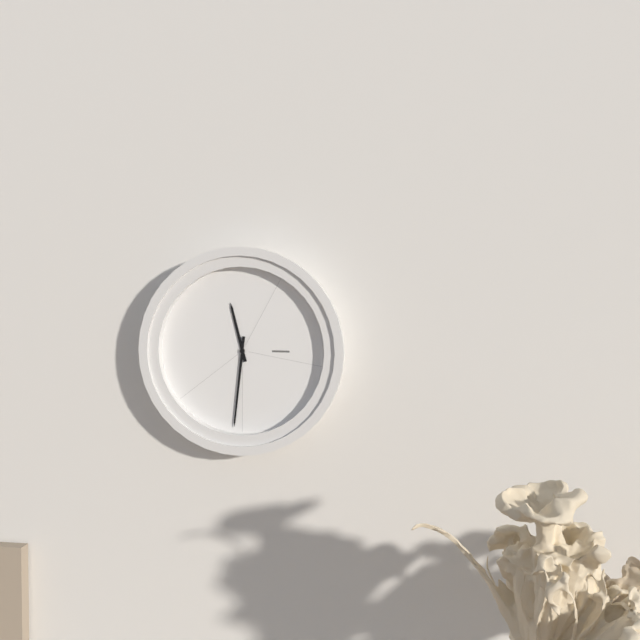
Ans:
11 h 31 min
